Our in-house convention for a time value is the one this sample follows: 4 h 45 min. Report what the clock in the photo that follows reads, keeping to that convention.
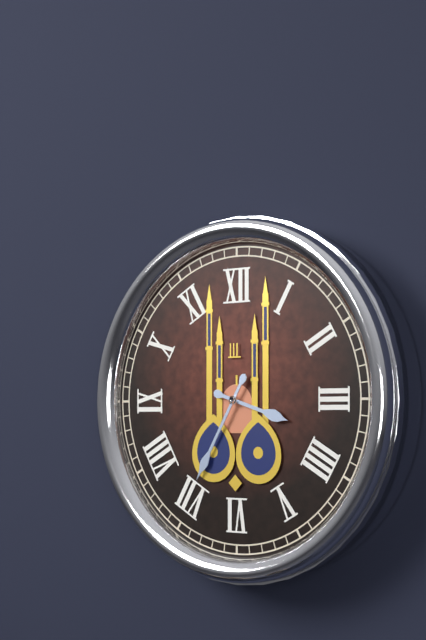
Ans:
3 h 35 min
